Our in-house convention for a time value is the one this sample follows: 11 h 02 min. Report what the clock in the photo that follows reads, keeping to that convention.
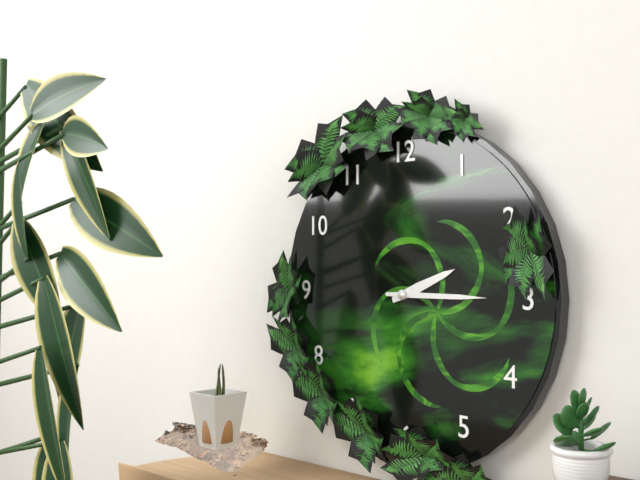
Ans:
2 h 15 min
